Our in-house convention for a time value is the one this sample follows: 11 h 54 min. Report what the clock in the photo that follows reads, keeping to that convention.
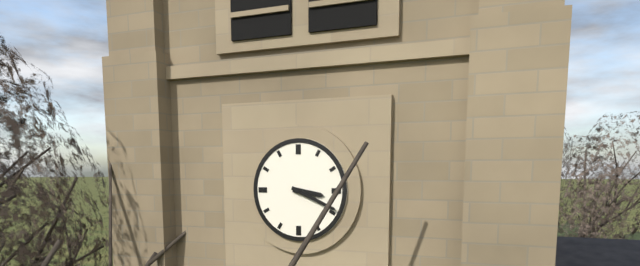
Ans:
3 h 19 min
